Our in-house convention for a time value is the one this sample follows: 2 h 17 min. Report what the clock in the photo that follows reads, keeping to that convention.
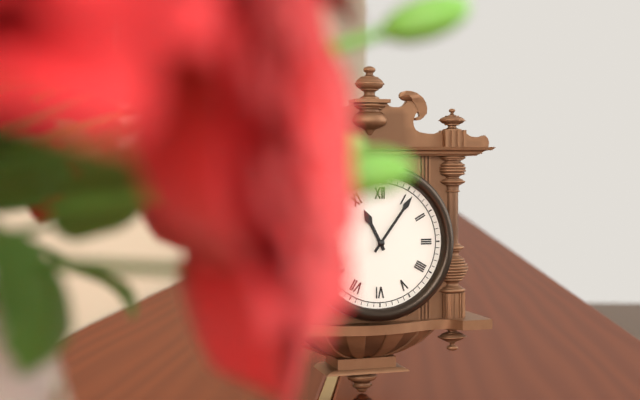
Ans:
11 h 06 min
